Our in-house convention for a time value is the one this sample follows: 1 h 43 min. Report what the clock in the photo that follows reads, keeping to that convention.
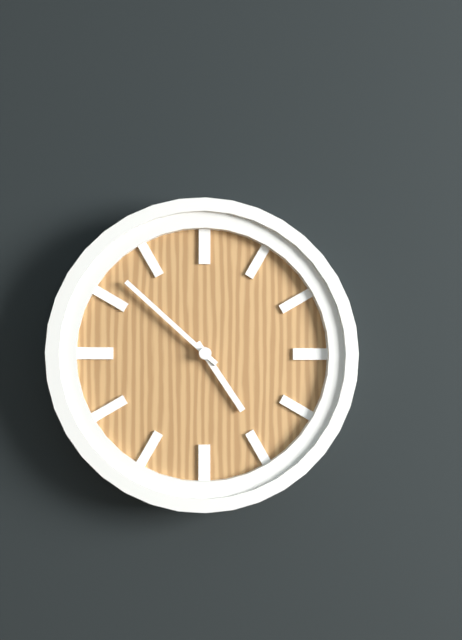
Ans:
4 h 52 min
